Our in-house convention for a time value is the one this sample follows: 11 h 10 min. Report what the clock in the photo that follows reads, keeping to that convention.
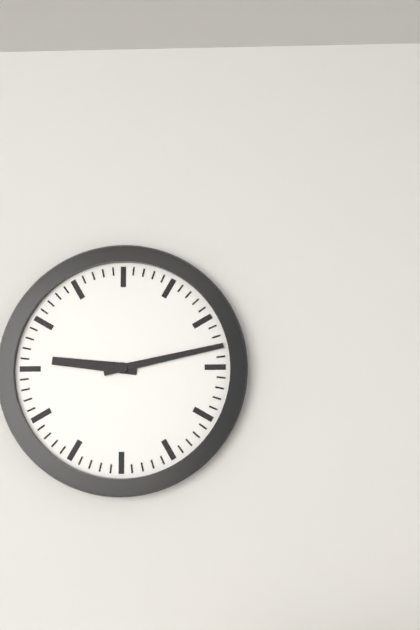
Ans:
9 h 13 min
